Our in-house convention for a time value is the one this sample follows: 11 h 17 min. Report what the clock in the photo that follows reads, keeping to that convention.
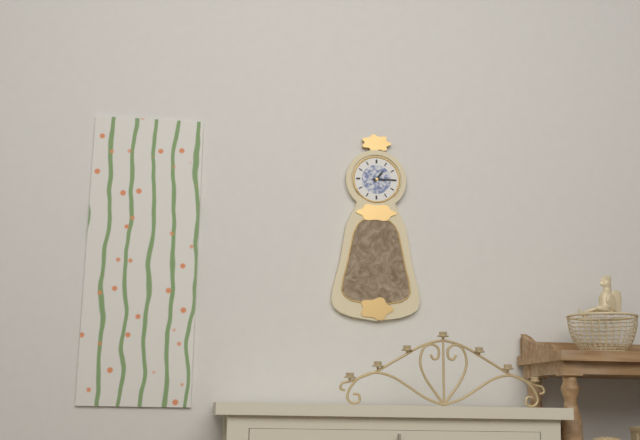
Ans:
1 h 15 min
